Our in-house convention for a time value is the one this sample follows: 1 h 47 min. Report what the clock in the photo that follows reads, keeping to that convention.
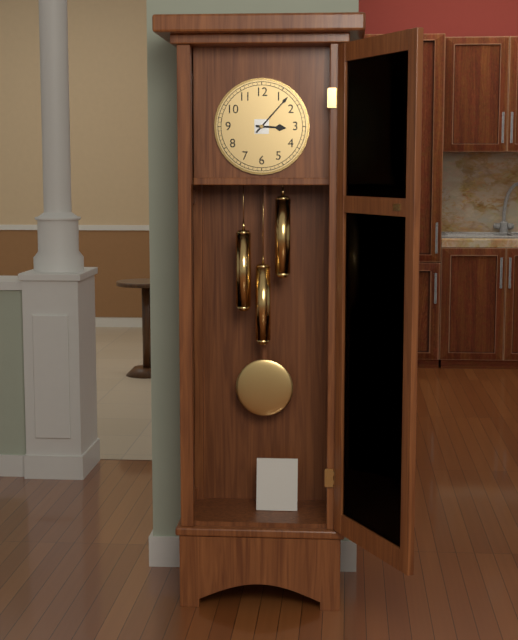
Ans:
3 h 07 min
